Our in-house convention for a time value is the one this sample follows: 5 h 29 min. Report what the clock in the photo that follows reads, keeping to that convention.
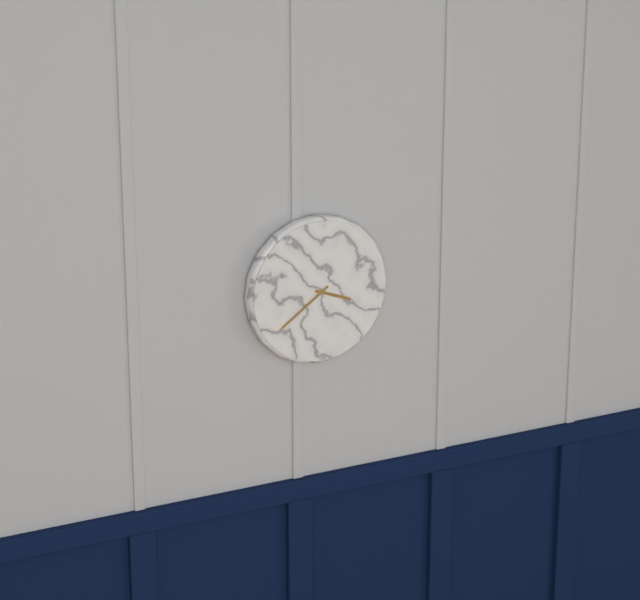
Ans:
3 h 39 min
